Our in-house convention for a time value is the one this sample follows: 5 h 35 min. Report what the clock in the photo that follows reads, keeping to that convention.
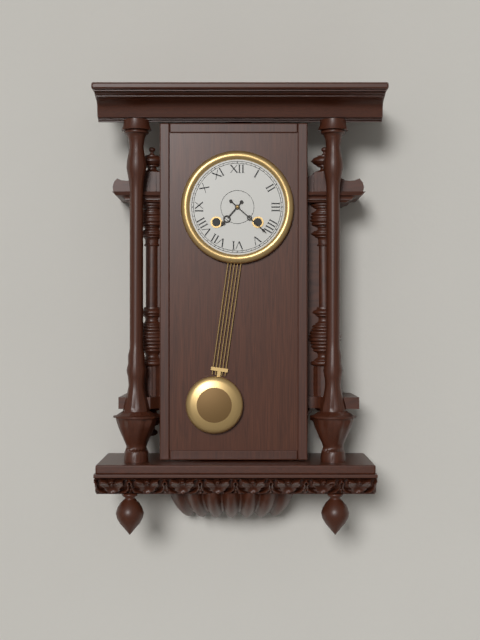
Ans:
7 h 22 min
